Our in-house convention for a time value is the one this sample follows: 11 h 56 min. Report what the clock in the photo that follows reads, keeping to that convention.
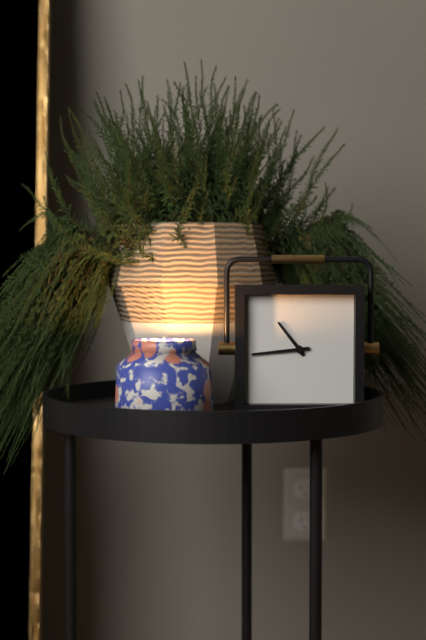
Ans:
10 h 44 min
